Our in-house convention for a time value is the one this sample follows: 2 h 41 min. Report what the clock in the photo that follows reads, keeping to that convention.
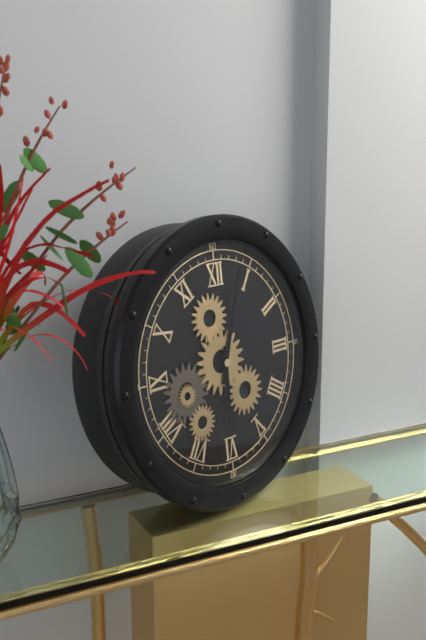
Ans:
6 h 03 min
